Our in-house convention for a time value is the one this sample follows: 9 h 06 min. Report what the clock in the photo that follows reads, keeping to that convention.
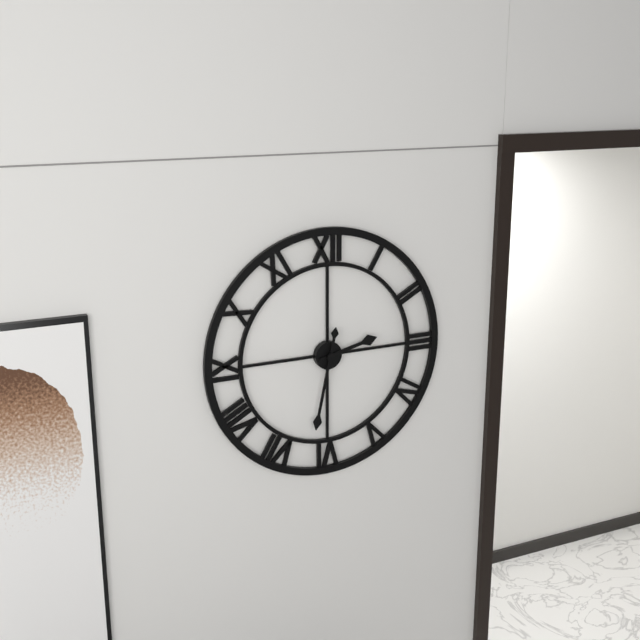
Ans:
2 h 32 min
